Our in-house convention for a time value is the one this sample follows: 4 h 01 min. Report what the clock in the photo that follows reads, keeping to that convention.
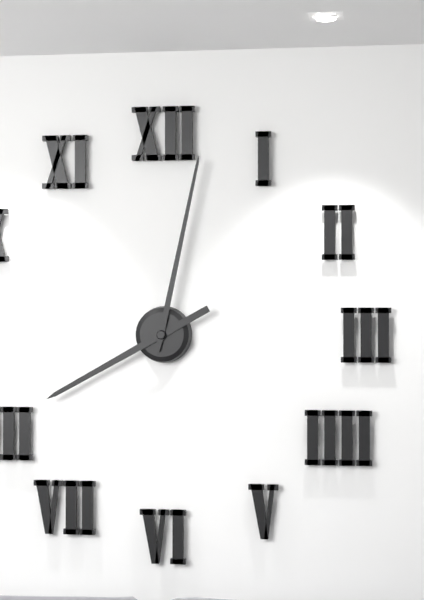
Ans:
8 h 02 min
